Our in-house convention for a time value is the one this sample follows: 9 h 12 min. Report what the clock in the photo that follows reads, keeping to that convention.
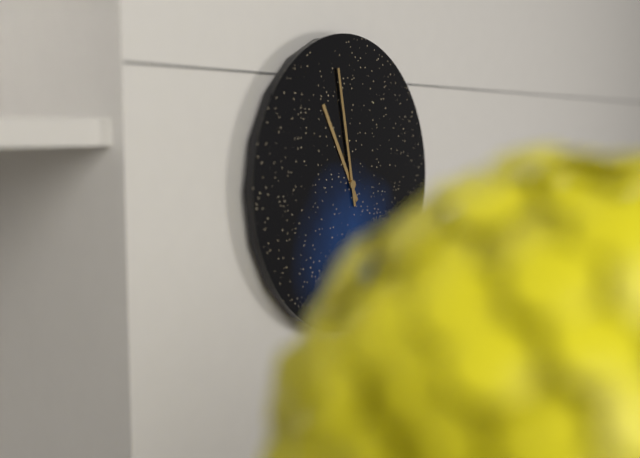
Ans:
10 h 58 min
